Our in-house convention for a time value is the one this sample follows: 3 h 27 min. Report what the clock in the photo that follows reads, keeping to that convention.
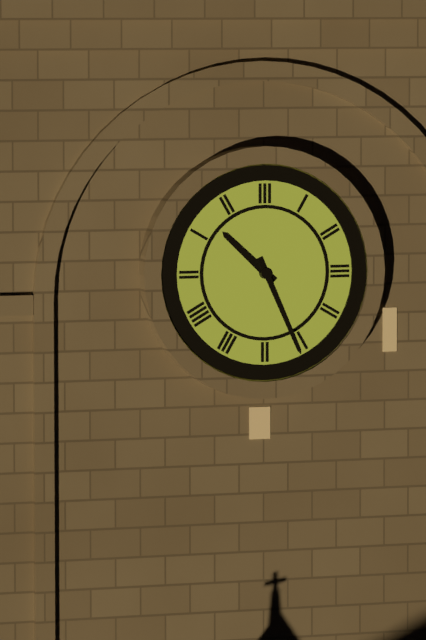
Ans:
10 h 26 min
